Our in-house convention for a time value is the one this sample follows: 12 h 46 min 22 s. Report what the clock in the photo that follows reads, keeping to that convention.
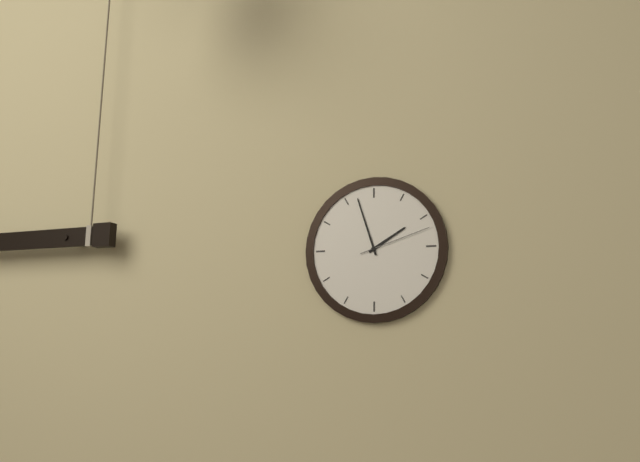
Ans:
1 h 57 min 12 s
